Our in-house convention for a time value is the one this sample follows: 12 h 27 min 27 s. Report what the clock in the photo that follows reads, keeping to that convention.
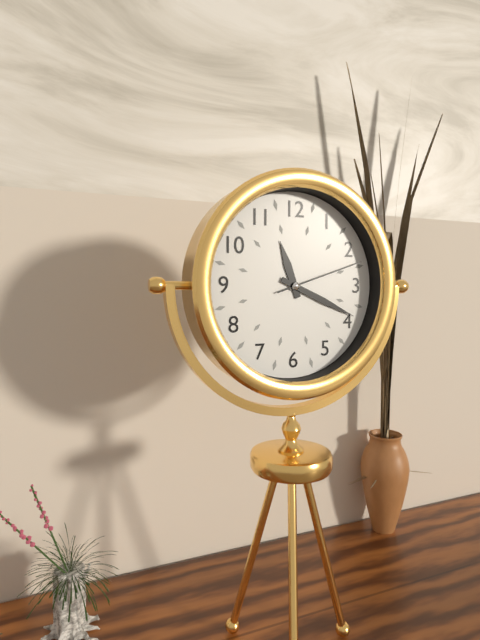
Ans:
11 h 19 min 12 s
